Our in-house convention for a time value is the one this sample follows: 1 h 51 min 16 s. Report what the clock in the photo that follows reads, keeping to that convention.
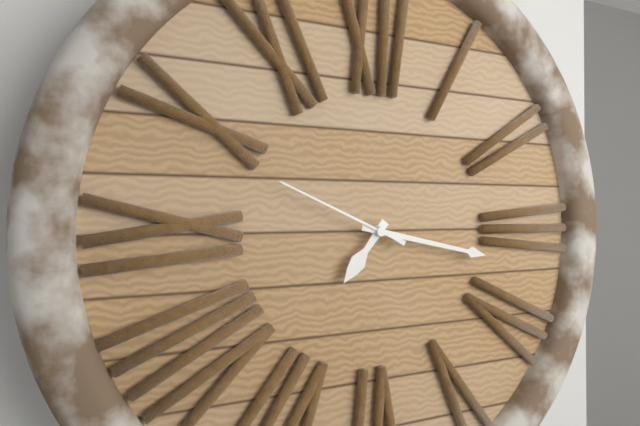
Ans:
7 h 17 min 49 s
